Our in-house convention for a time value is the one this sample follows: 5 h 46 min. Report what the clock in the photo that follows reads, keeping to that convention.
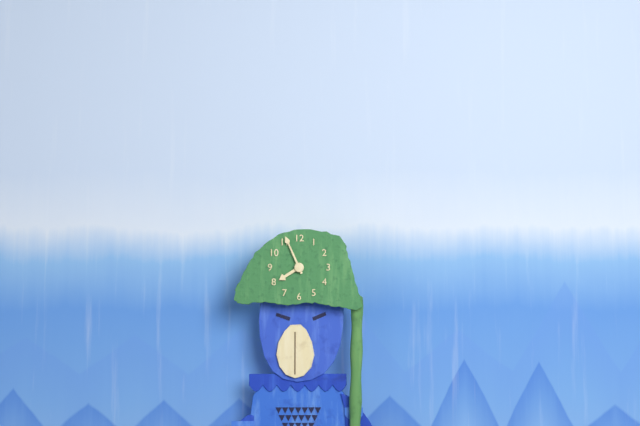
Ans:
7 h 56 min
